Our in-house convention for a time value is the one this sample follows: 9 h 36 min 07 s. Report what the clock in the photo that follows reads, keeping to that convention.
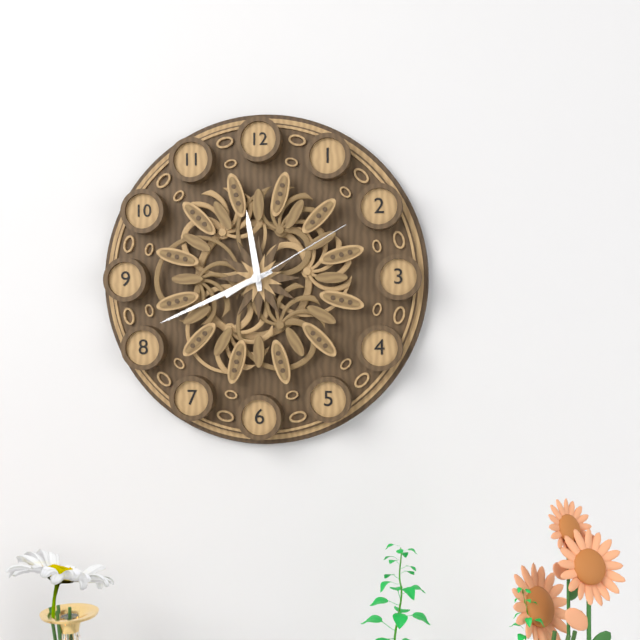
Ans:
11 h 41 min 10 s
